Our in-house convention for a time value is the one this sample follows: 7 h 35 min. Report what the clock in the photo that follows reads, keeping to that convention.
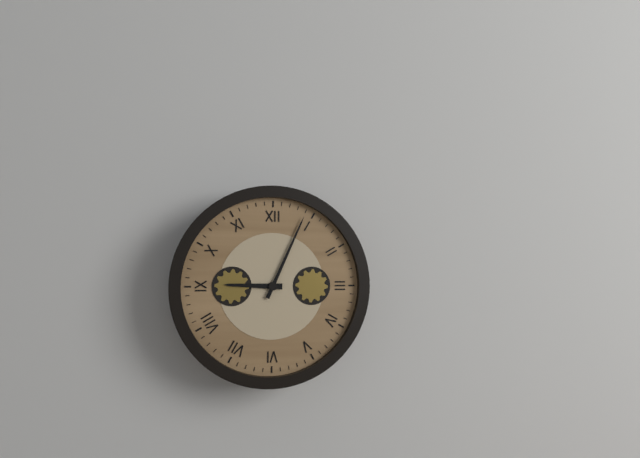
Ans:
9 h 04 min
